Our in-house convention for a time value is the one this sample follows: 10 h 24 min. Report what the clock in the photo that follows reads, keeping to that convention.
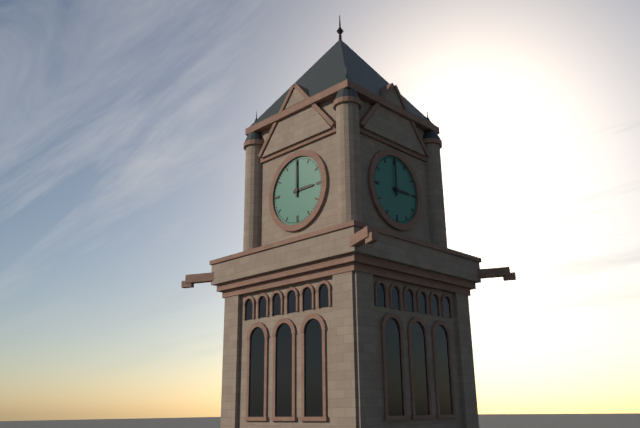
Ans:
3 h 00 min
